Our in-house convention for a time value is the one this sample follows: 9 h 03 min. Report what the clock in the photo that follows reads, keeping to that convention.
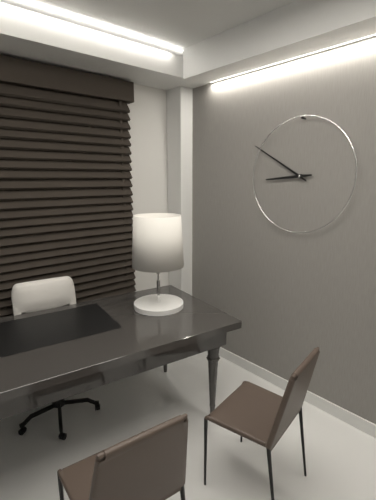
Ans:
8 h 50 min
